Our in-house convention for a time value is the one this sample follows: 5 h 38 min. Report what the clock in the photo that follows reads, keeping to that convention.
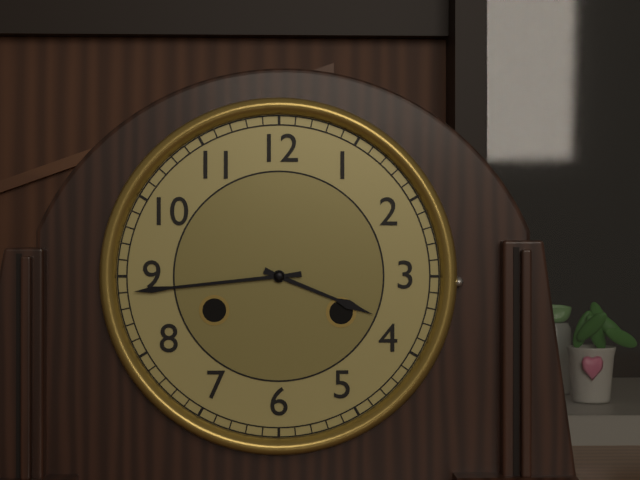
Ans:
3 h 44 min
